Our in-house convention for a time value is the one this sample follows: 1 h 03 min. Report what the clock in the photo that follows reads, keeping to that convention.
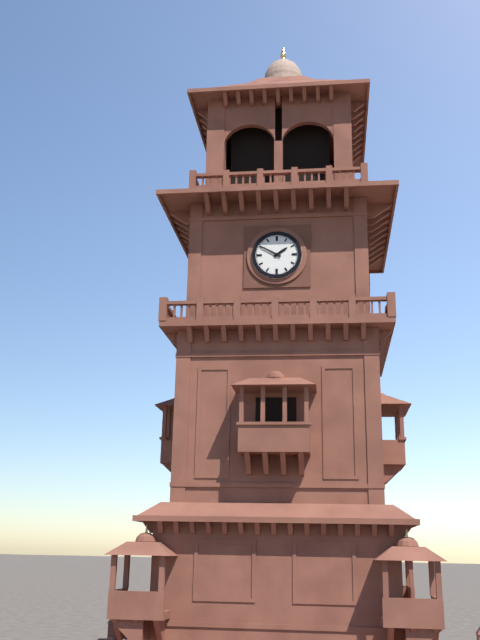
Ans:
1 h 50 min
